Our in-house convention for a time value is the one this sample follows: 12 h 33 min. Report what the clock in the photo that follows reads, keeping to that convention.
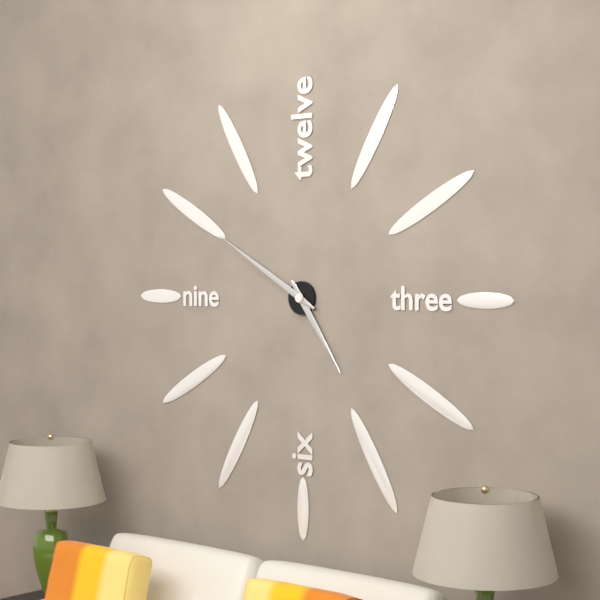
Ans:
4 h 50 min
